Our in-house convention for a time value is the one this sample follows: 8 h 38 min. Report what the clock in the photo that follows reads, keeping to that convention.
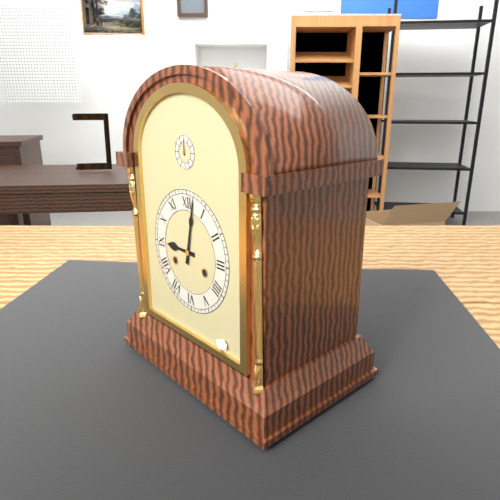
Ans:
9 h 02 min
